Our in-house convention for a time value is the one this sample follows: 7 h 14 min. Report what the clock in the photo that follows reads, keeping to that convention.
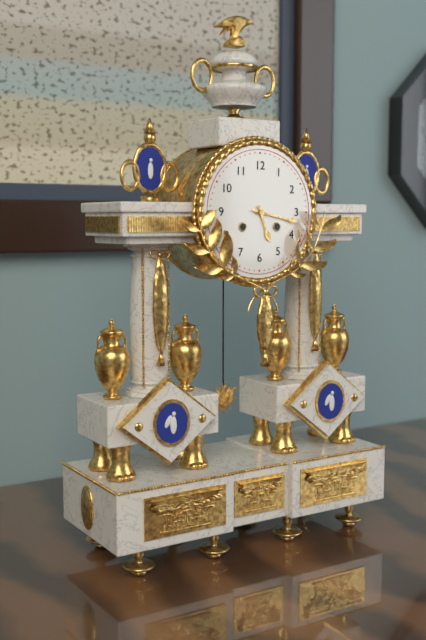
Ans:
5 h 17 min
